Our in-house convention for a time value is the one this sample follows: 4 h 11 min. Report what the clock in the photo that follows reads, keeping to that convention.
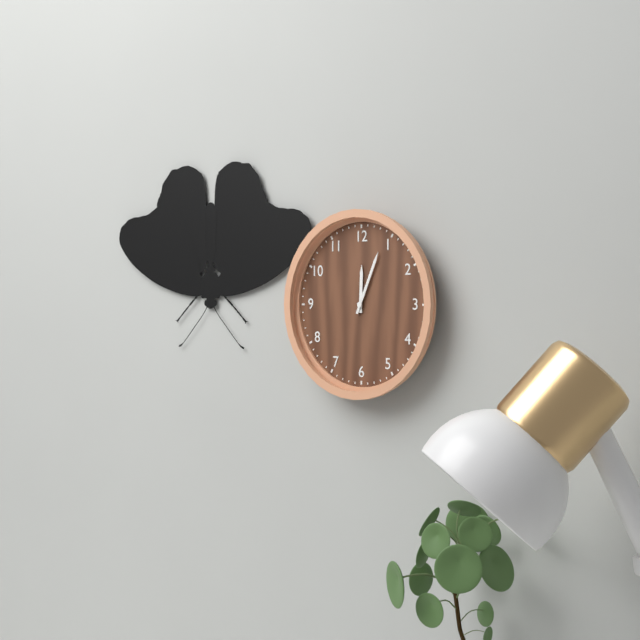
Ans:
12 h 04 min
